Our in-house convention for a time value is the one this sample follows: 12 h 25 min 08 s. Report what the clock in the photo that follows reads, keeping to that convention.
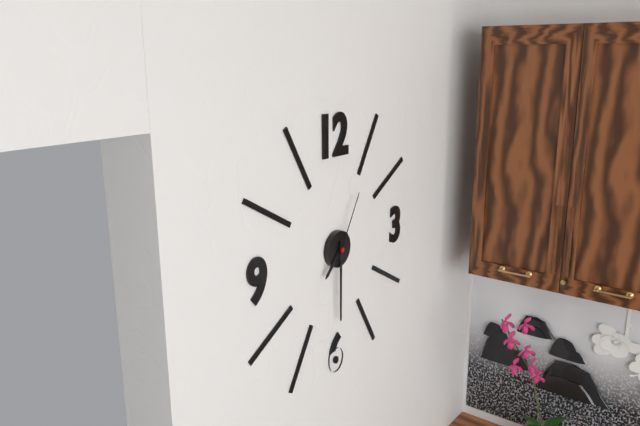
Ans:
7 h 30 min 05 s
